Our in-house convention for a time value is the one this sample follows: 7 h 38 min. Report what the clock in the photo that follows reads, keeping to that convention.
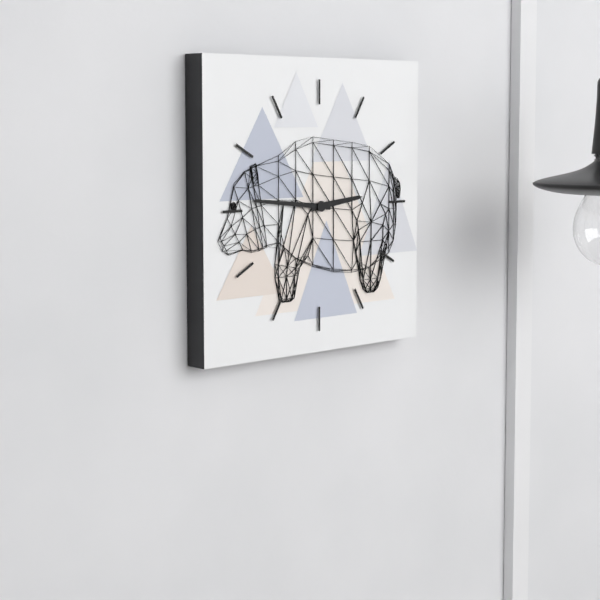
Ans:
2 h 46 min
